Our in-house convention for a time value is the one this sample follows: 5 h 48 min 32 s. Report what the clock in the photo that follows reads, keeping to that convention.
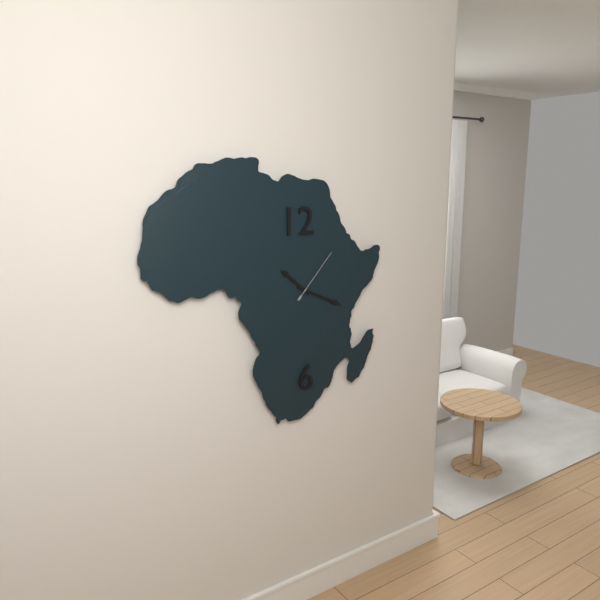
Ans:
10 h 19 min 07 s
